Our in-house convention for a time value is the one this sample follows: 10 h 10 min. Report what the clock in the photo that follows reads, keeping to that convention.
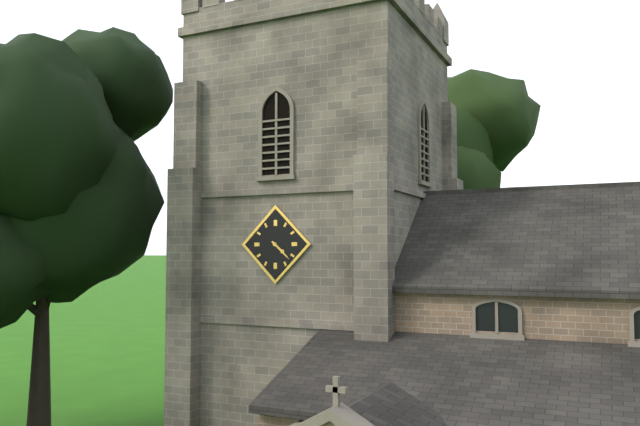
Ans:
4 h 22 min
